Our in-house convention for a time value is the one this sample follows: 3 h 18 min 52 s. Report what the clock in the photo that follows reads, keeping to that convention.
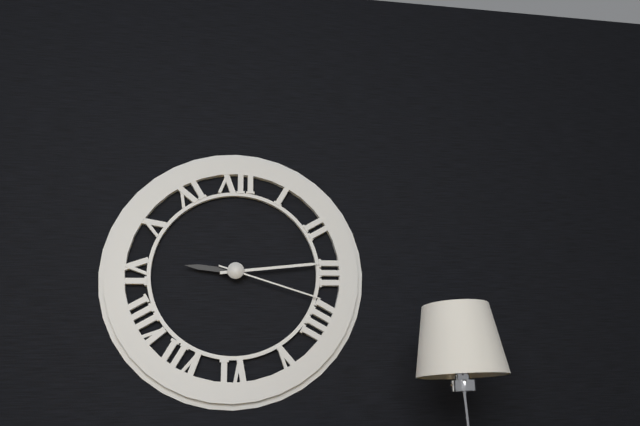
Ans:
9 h 14 min 18 s
